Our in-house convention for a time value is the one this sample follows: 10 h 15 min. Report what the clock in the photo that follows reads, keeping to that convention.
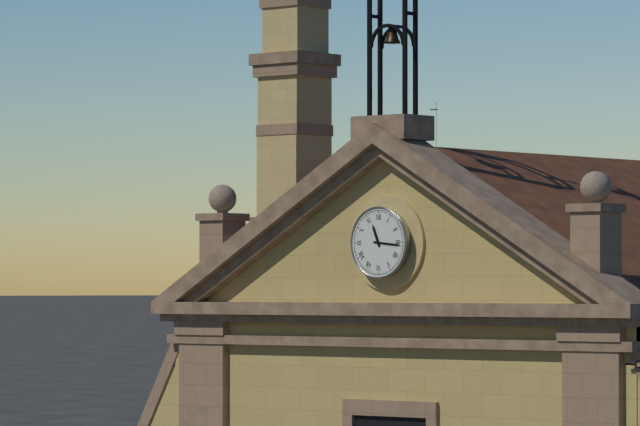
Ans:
11 h 16 min
